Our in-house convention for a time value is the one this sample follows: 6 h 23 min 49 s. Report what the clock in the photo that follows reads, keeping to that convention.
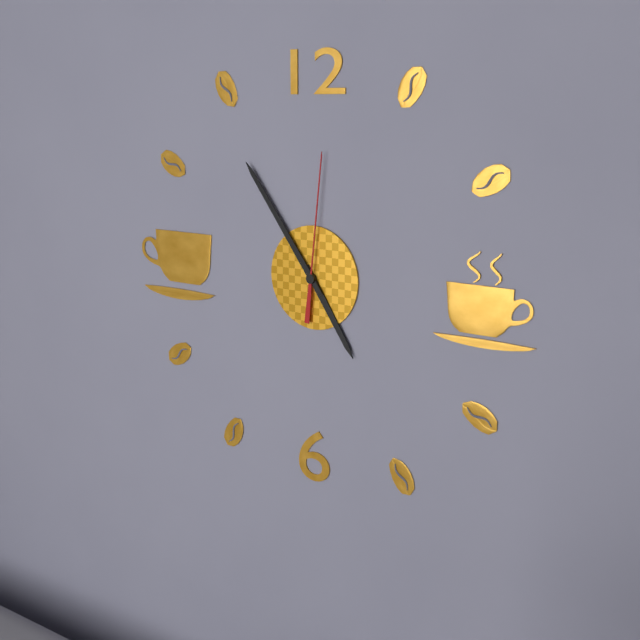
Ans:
4 h 54 min 01 s
